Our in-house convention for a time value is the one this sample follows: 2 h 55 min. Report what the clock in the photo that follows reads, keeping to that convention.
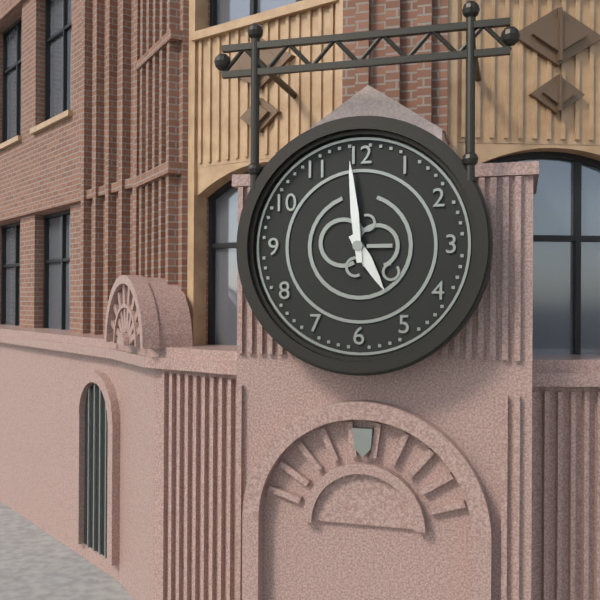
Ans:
4 h 59 min
